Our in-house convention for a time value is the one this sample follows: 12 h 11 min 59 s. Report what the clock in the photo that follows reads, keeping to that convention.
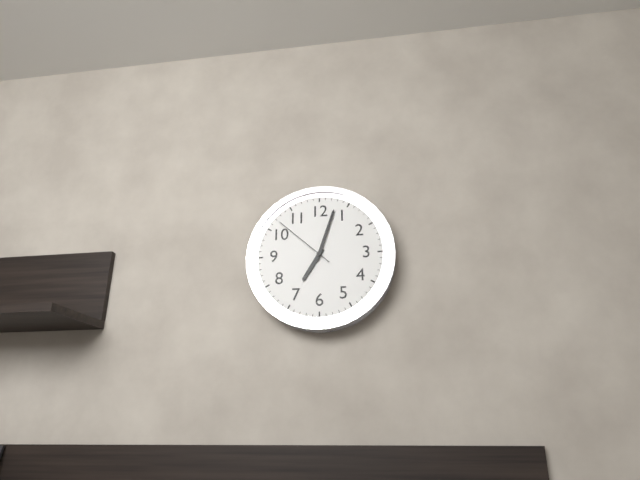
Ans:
7 h 03 min 52 s
